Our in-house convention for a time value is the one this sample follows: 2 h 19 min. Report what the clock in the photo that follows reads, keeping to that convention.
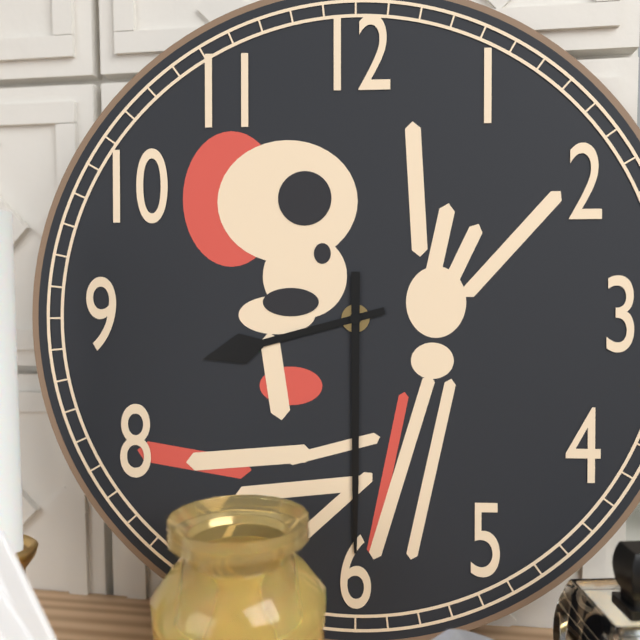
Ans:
8 h 30 min
